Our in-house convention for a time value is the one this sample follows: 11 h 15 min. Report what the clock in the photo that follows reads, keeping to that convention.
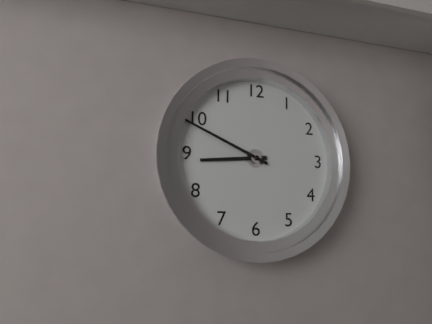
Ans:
8 h 49 min
